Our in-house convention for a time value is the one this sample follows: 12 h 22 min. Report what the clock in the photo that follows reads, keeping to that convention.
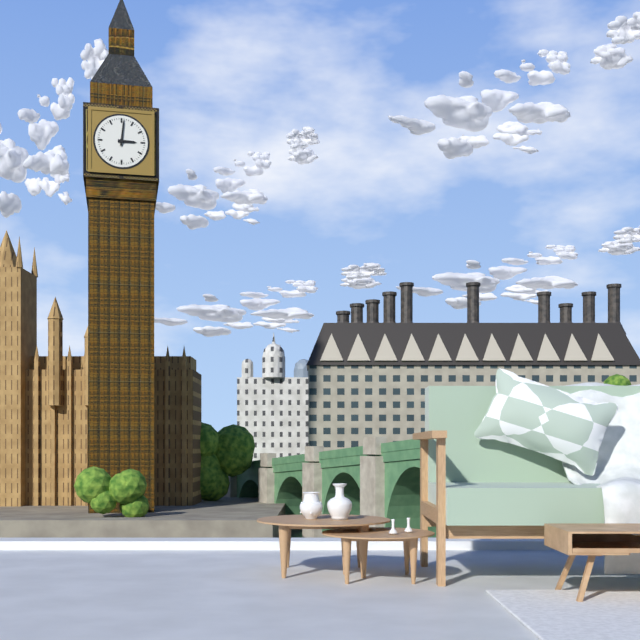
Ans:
3 h 01 min
